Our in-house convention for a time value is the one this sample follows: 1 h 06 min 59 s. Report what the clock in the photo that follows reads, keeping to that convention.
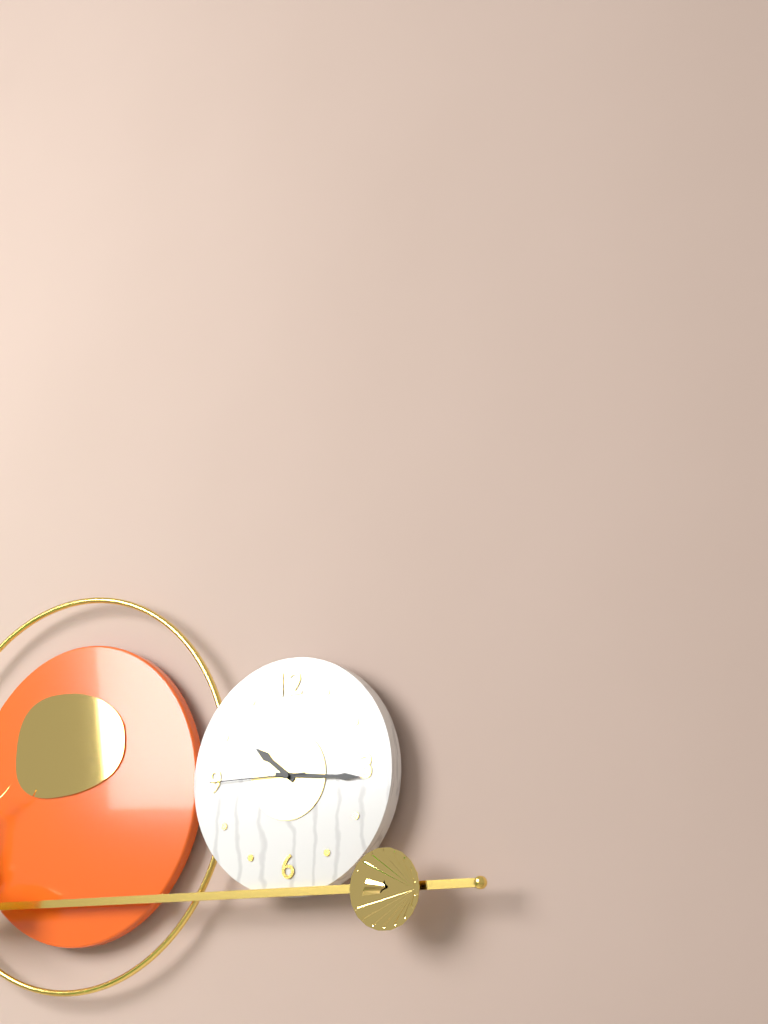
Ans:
10 h 16 min 45 s
